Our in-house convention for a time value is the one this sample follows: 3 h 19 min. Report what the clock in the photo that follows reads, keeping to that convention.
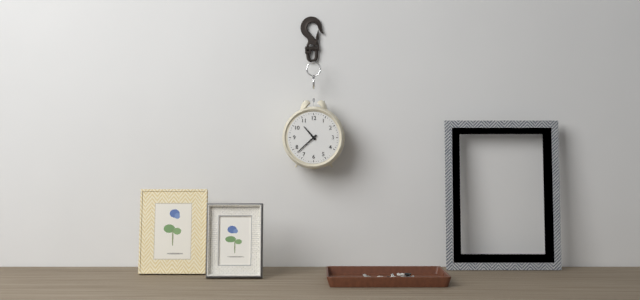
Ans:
10 h 38 min
